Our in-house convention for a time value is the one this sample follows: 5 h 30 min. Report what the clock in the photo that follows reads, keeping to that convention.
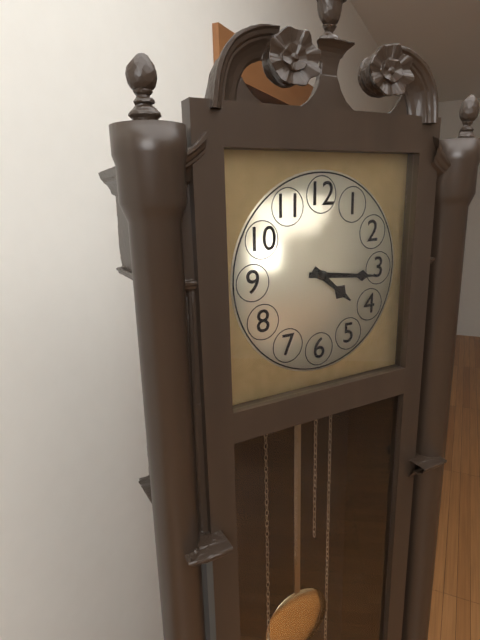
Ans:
4 h 16 min
